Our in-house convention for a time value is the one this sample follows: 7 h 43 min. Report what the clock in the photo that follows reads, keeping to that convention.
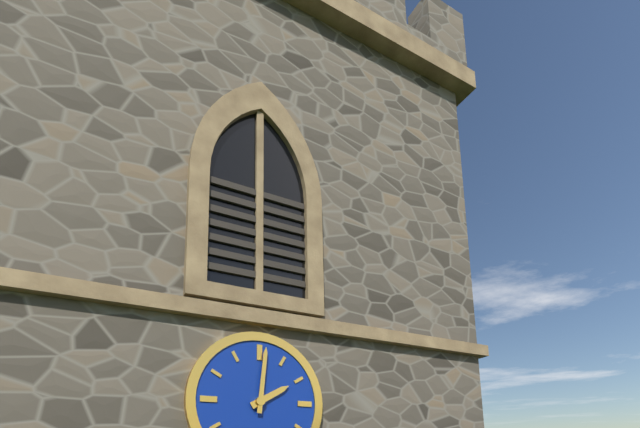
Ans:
2 h 01 min
